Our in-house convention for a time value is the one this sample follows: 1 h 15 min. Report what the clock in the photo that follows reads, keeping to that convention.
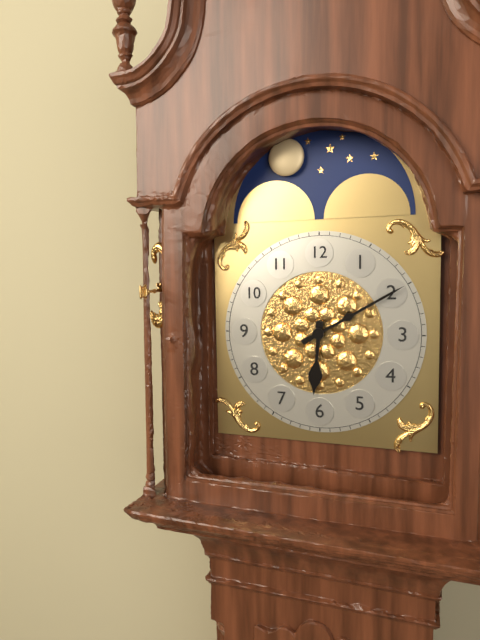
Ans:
6 h 10 min
